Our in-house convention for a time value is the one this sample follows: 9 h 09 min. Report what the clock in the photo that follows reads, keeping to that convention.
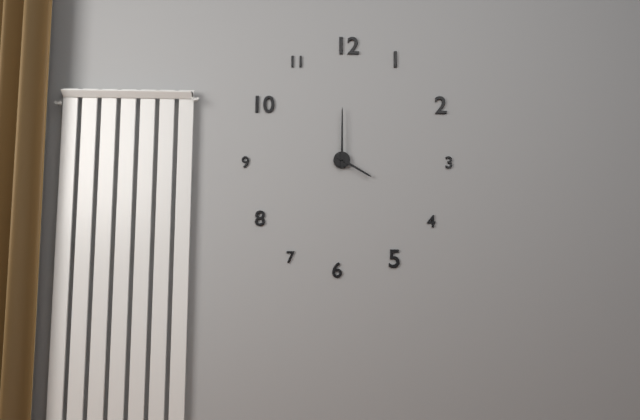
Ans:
4 h 00 min
